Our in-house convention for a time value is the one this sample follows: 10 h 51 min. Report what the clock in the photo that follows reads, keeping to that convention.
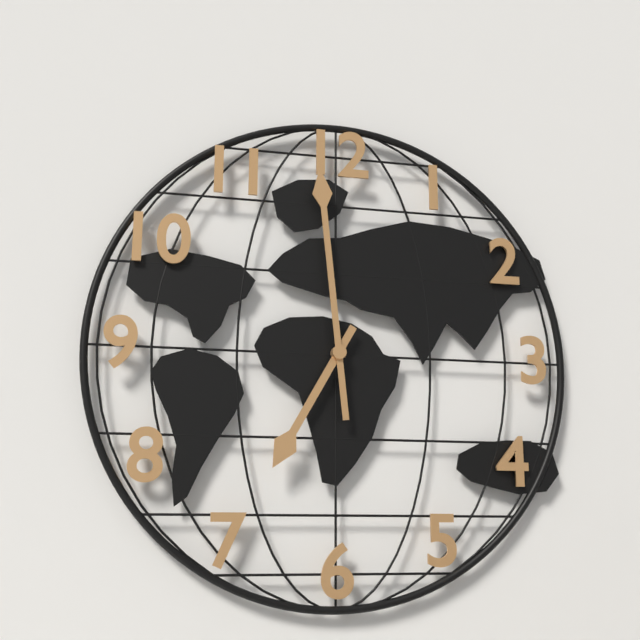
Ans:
6 h 59 min
